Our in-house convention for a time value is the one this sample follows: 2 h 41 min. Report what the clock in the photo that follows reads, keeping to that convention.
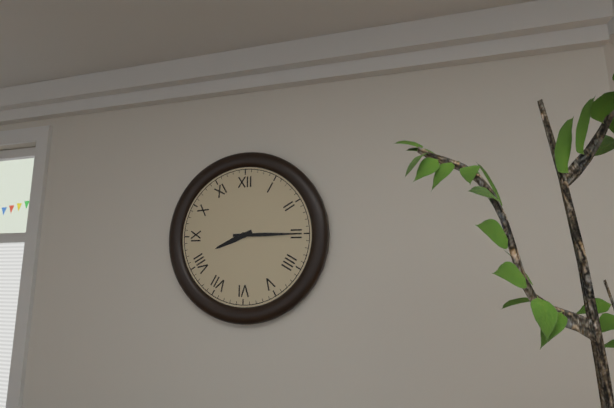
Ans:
8 h 15 min
